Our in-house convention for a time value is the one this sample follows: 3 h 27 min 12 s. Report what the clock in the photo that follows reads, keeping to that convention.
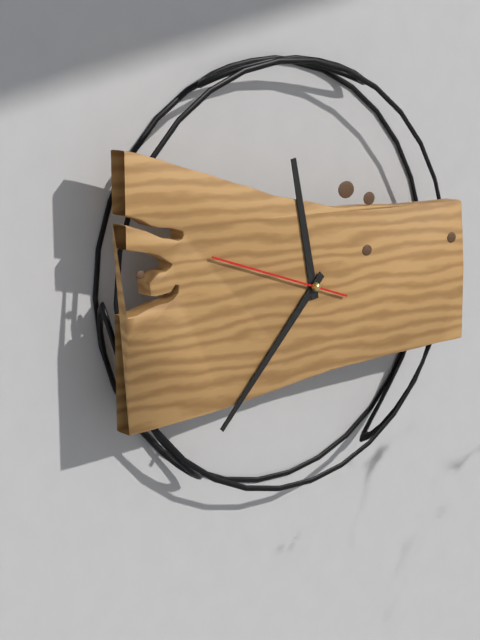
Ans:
11 h 37 min 48 s
